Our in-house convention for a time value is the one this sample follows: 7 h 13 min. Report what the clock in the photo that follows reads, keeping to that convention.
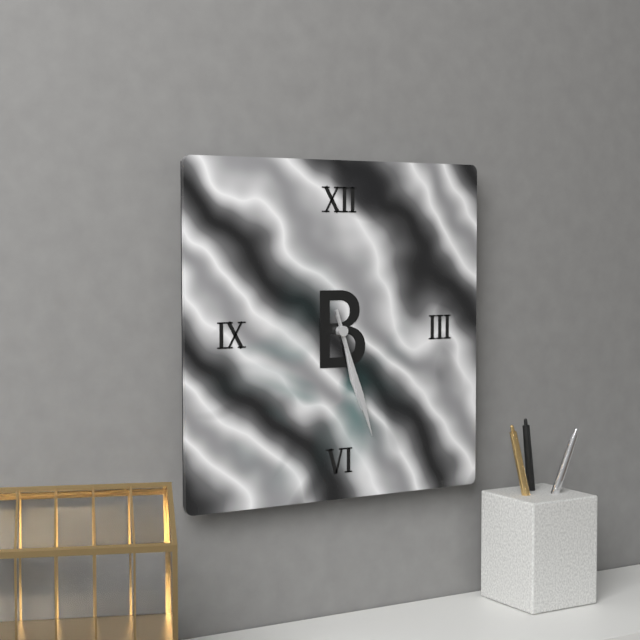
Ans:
5 h 27 min
